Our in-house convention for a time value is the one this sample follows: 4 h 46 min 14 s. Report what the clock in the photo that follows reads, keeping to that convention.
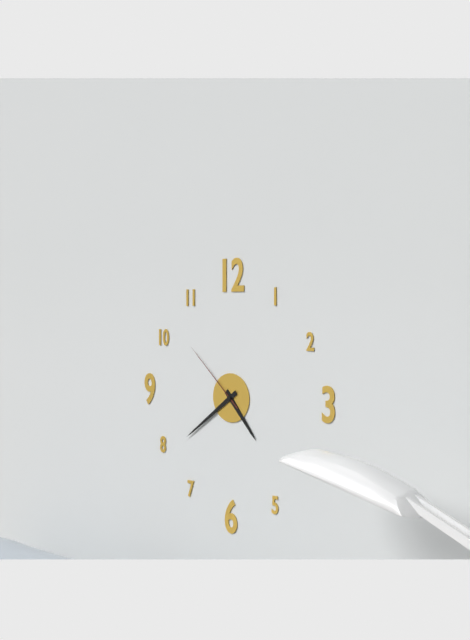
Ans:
4 h 39 min 52 s
